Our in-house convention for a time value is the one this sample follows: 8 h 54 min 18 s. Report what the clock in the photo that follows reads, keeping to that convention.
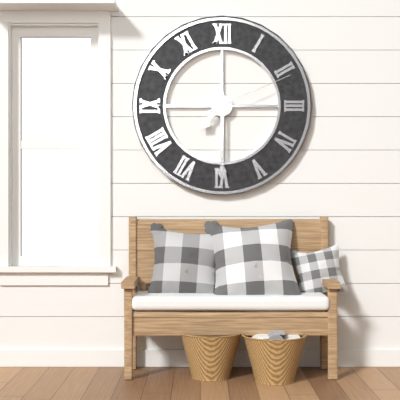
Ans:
7 h 30 min 11 s
